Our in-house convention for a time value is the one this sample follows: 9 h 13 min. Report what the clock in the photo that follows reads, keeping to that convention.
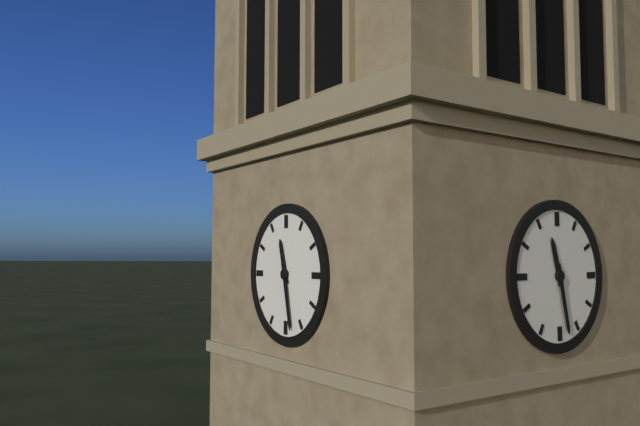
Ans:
11 h 28 min
